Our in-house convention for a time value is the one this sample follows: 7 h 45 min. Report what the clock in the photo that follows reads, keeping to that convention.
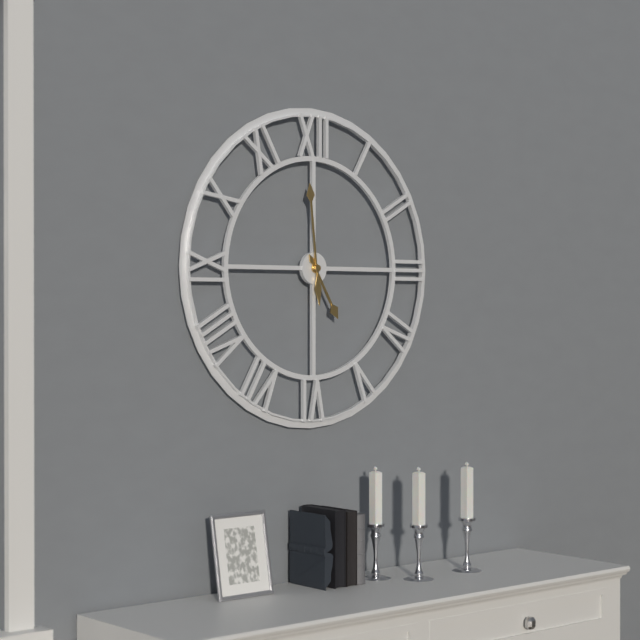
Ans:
4 h 59 min
